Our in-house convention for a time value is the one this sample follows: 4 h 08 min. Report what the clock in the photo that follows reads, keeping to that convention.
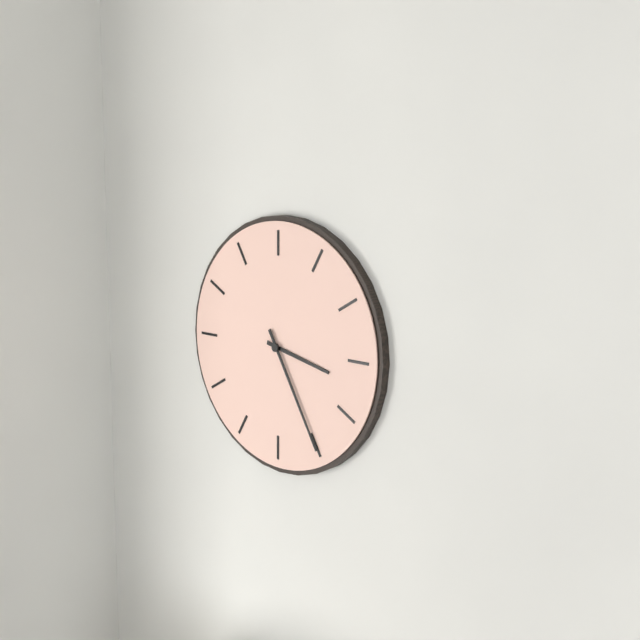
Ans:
3 h 25 min
